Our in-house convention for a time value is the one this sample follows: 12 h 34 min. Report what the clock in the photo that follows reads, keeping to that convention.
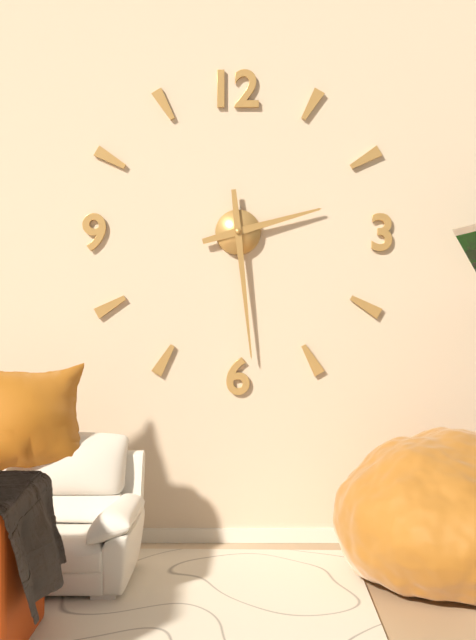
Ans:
2 h 29 min
